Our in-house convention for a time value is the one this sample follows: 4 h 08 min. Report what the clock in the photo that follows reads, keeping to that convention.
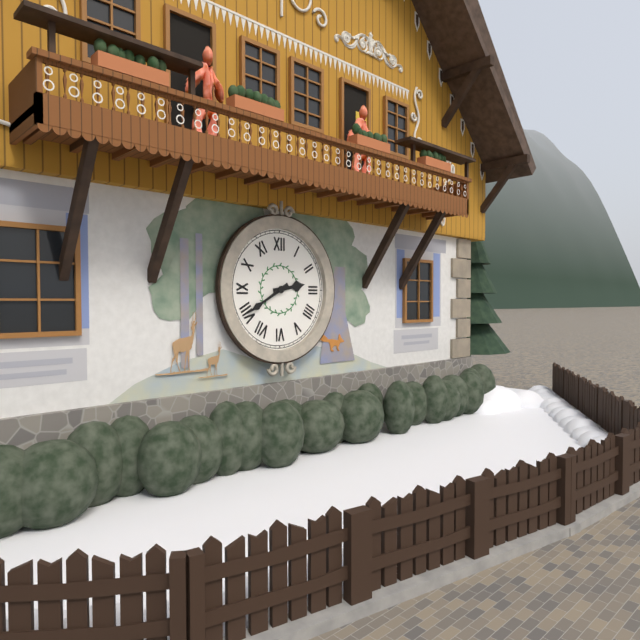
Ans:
2 h 40 min
